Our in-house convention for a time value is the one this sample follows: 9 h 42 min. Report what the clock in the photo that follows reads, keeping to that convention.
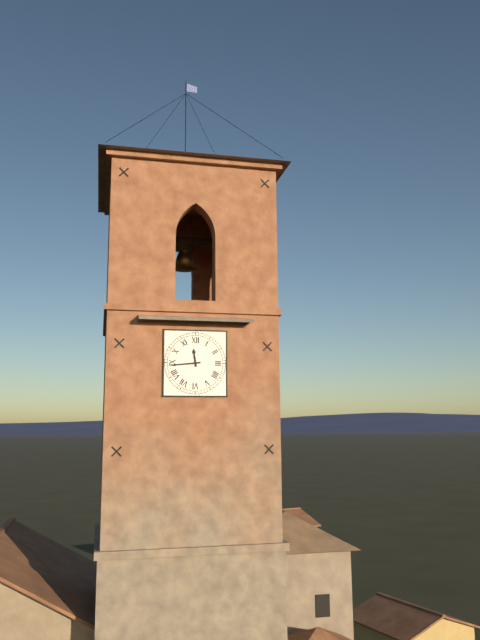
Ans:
11 h 44 min
